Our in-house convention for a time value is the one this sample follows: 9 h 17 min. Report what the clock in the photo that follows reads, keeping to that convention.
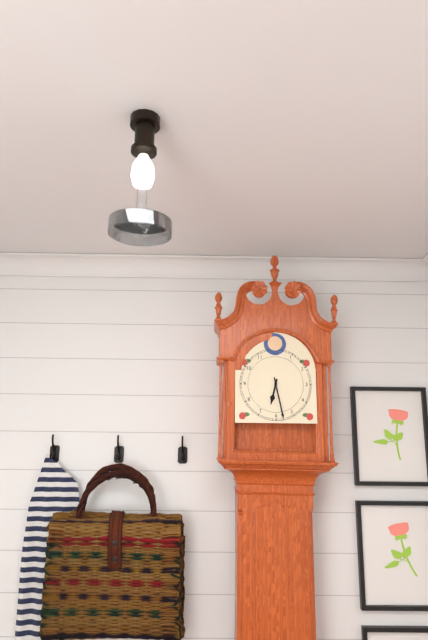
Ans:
6 h 28 min
